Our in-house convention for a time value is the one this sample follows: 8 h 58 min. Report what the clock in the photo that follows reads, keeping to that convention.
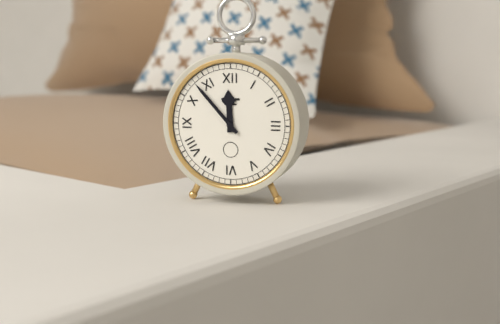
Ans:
11 h 53 min
